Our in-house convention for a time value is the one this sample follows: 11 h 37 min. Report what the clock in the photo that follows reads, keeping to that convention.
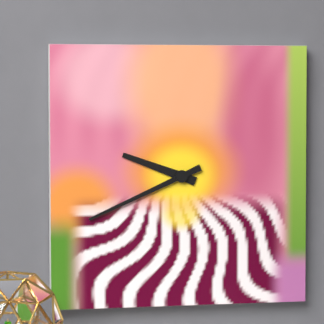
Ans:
9 h 41 min
